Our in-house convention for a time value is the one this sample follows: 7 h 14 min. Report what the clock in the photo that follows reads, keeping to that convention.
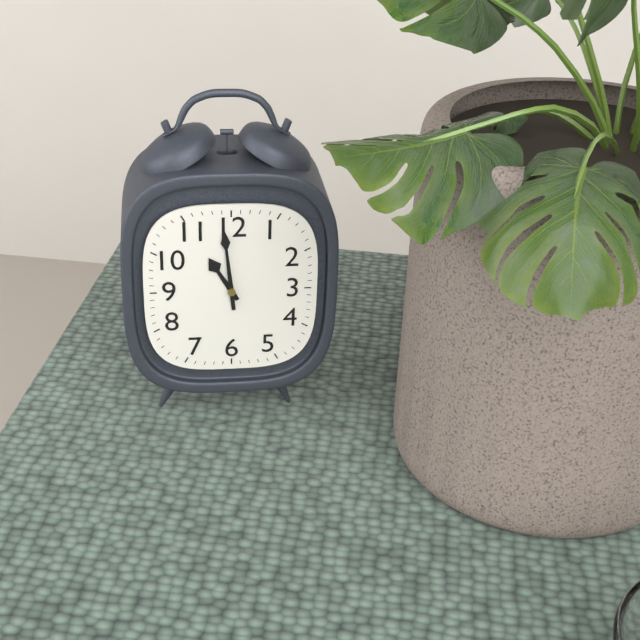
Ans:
10 h 59 min
